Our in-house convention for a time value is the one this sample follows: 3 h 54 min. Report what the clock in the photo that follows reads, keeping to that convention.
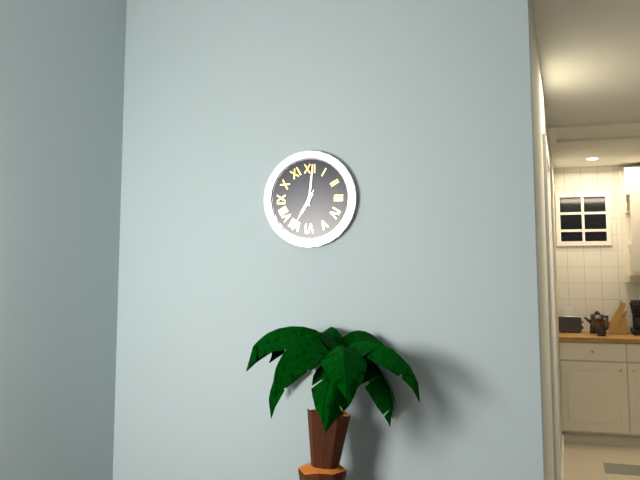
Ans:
7 h 01 min
